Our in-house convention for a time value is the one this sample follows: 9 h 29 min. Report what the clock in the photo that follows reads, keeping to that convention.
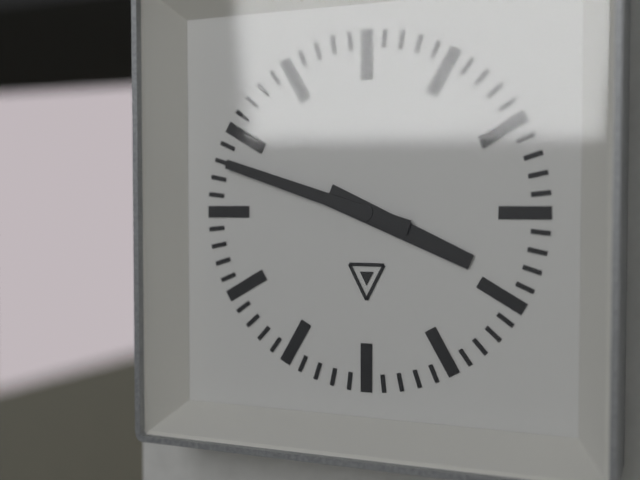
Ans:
3 h 48 min
